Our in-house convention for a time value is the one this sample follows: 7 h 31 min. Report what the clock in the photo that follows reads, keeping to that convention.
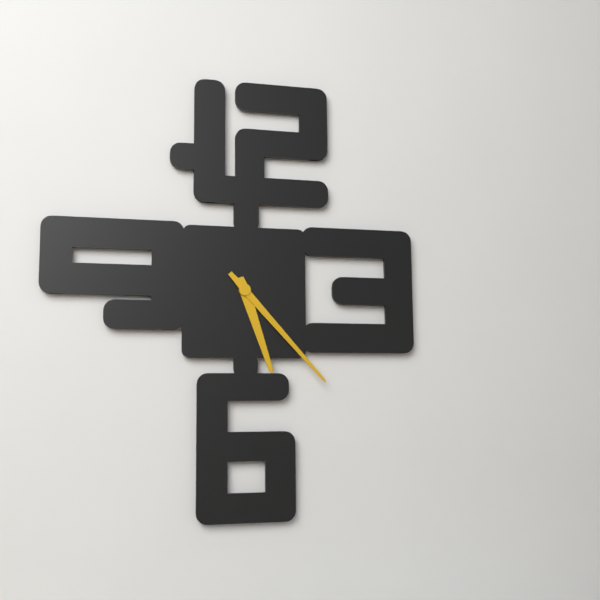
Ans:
5 h 23 min
